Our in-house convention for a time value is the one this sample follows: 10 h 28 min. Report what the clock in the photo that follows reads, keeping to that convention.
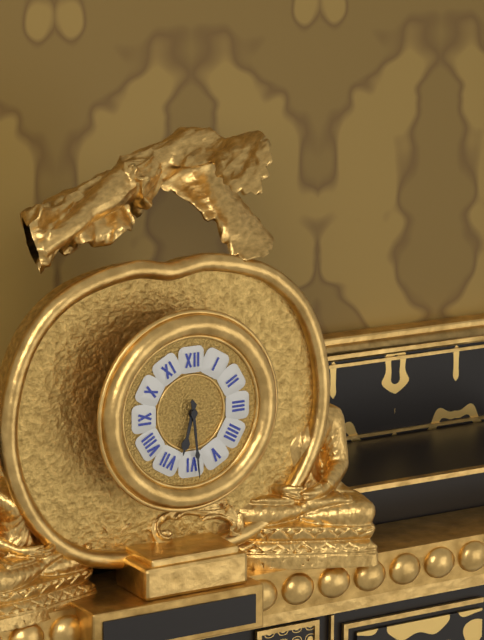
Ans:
6 h 29 min
